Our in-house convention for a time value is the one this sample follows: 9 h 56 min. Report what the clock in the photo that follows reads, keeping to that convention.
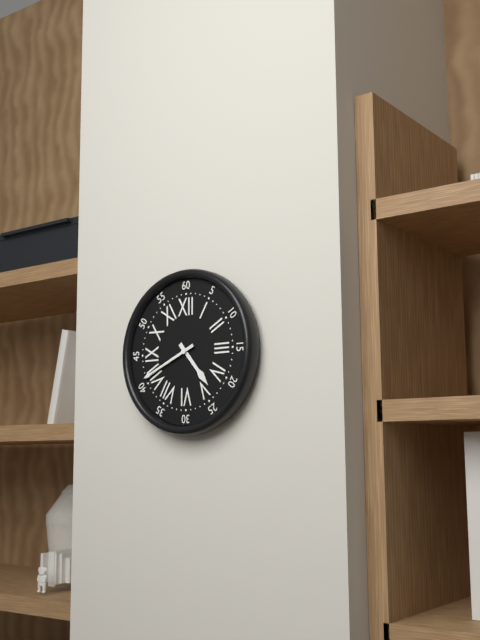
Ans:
4 h 41 min
